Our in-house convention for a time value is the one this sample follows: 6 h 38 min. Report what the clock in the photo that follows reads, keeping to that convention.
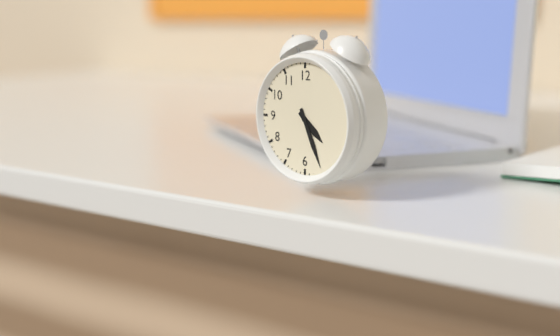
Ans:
4 h 26 min
